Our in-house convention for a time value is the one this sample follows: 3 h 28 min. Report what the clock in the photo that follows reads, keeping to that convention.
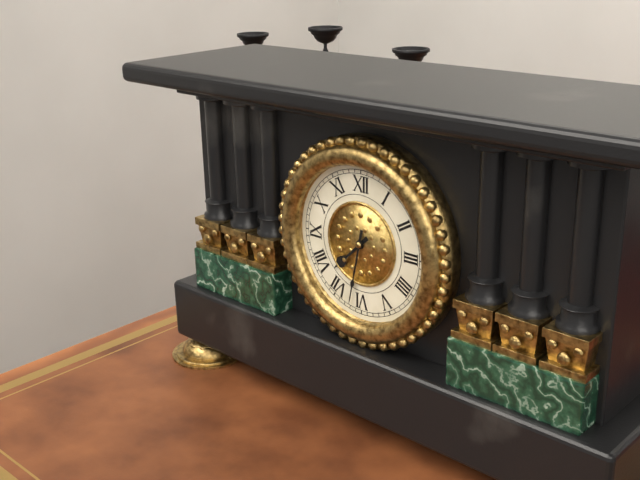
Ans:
7 h 32 min
